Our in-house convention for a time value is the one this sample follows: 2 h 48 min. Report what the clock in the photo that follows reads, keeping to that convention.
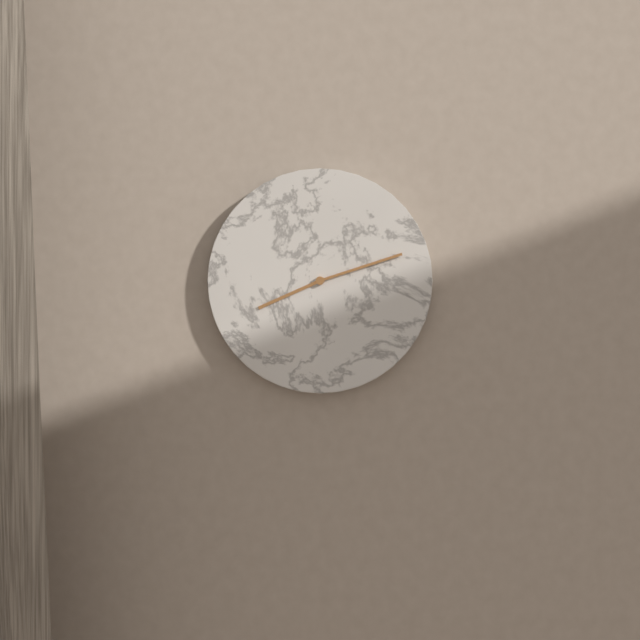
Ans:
8 h 12 min
